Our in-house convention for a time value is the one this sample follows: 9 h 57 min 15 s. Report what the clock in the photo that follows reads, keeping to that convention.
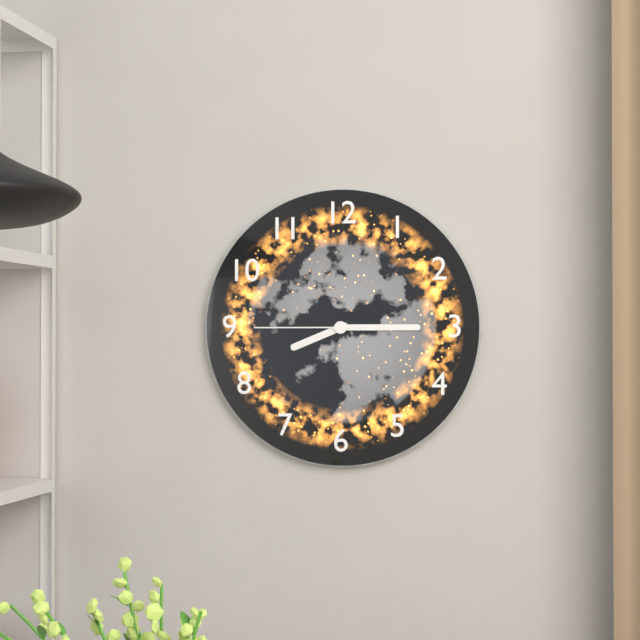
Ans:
8 h 15 min 45 s
